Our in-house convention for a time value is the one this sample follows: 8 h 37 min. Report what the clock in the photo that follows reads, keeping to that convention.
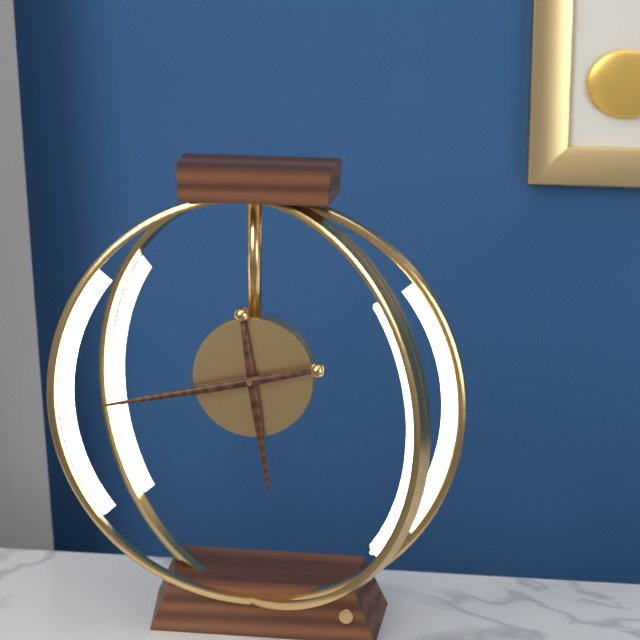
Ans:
5 h 43 min
